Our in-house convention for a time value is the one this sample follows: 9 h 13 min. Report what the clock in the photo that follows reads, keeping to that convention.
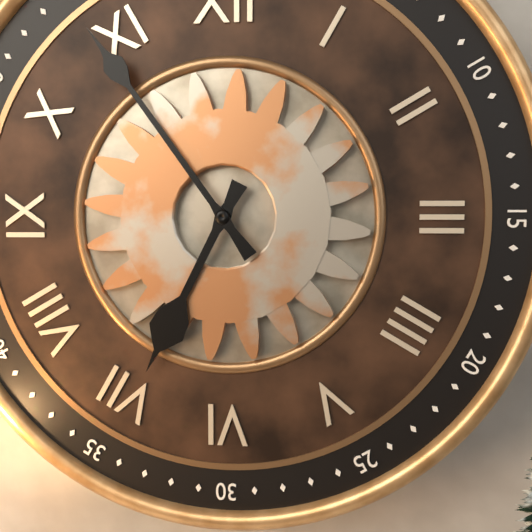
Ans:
6 h 54 min
